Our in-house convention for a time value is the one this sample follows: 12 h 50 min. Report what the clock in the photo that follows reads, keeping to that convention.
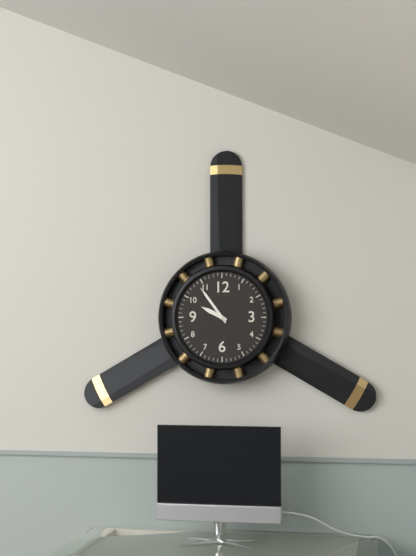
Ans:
9 h 54 min
